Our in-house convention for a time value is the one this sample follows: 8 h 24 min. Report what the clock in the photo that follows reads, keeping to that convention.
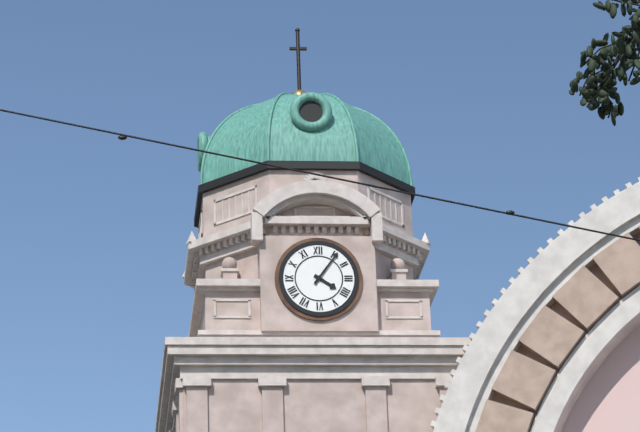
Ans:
4 h 06 min
